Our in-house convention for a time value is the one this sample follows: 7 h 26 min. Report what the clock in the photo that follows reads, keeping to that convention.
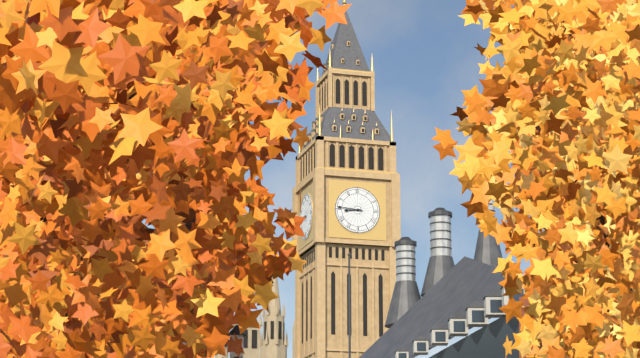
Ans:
8 h 46 min
